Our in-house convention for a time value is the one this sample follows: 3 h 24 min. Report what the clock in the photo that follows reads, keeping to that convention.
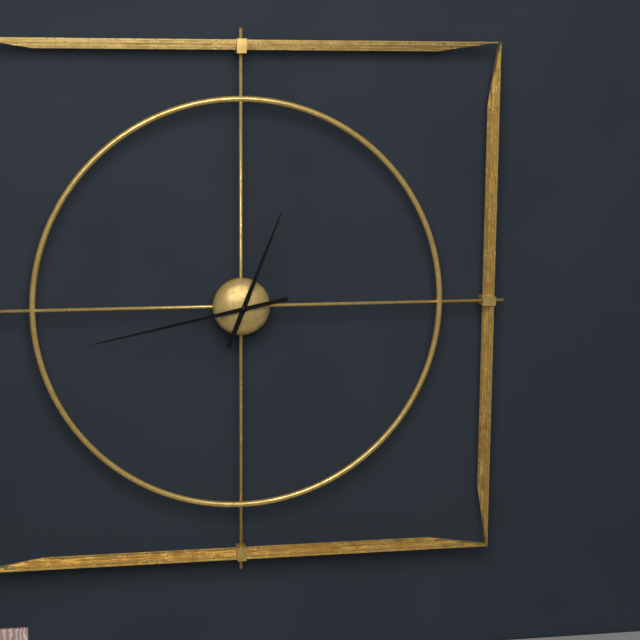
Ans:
12 h 43 min
